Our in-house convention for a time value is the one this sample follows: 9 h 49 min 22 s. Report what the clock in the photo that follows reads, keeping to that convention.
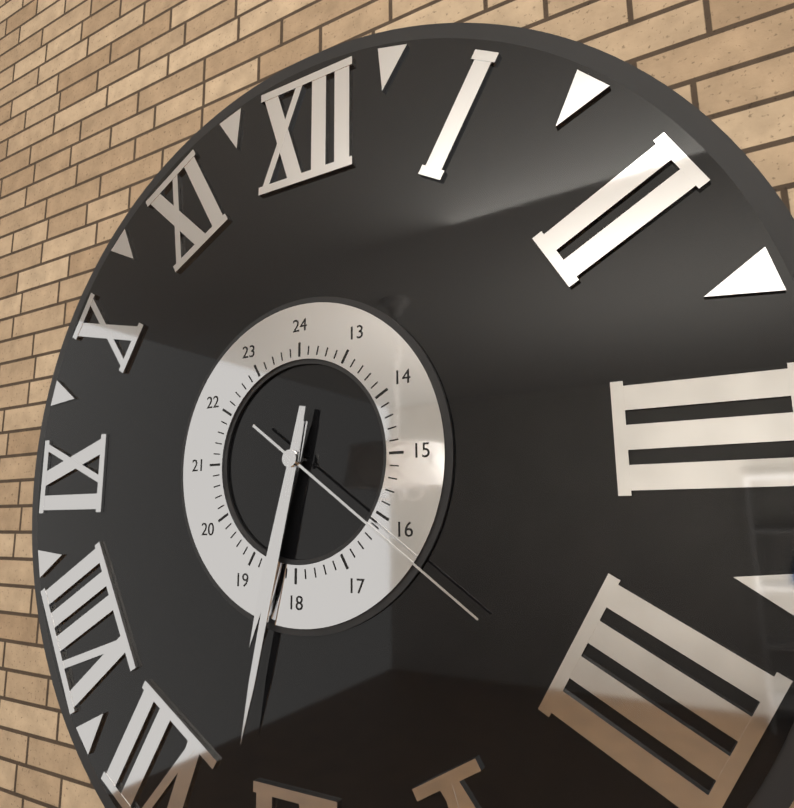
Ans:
6 h 32 min 21 s
